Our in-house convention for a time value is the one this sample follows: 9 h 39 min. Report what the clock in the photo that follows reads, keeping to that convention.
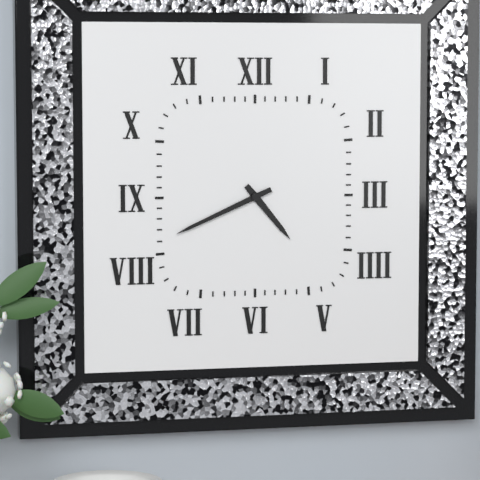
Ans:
4 h 41 min
